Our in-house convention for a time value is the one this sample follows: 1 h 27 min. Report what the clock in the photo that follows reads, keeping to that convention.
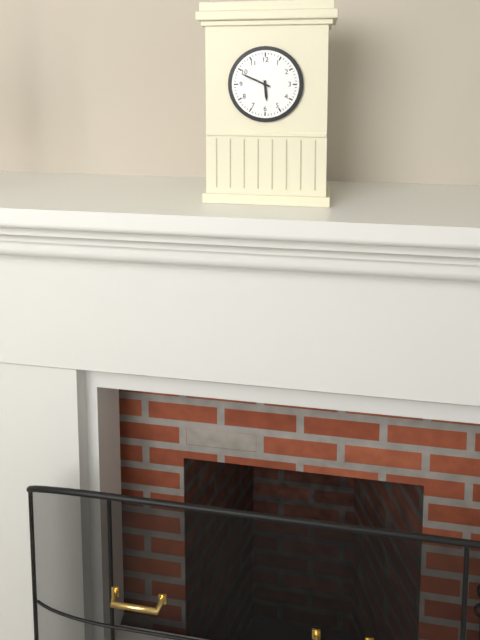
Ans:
5 h 49 min
